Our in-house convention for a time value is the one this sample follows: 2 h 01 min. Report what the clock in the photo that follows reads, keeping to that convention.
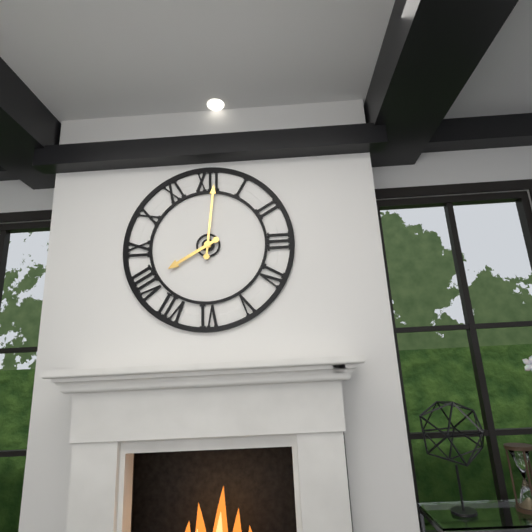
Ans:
8 h 01 min
